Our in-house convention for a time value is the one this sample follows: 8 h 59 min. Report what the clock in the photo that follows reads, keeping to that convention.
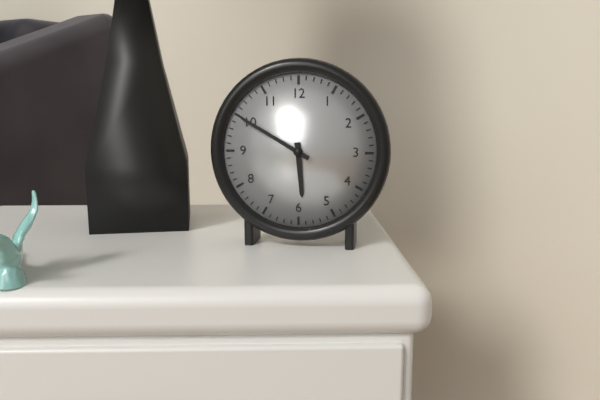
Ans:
5 h 50 min
